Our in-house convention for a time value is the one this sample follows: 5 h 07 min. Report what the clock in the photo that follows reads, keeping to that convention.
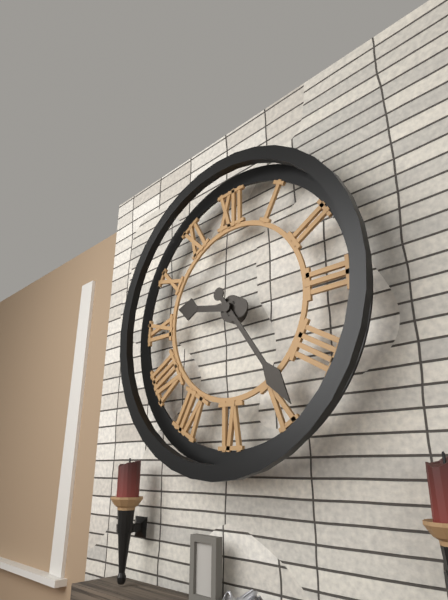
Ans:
9 h 24 min
